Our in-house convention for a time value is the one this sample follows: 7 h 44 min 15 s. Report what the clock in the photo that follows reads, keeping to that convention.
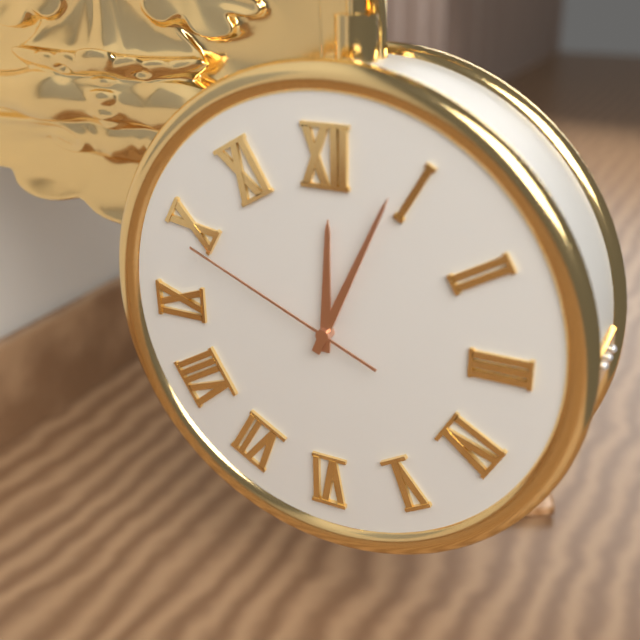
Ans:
12 h 04 min 49 s
